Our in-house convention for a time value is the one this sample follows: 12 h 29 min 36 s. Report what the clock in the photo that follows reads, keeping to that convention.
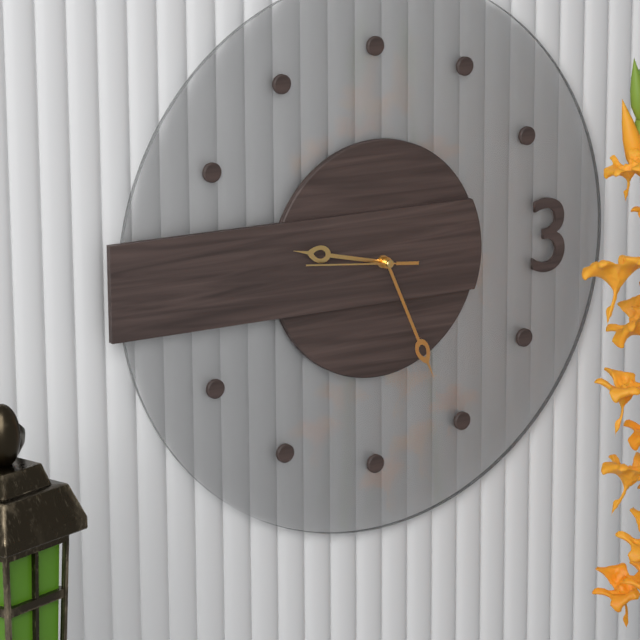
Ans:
9 h 26 min 46 s
